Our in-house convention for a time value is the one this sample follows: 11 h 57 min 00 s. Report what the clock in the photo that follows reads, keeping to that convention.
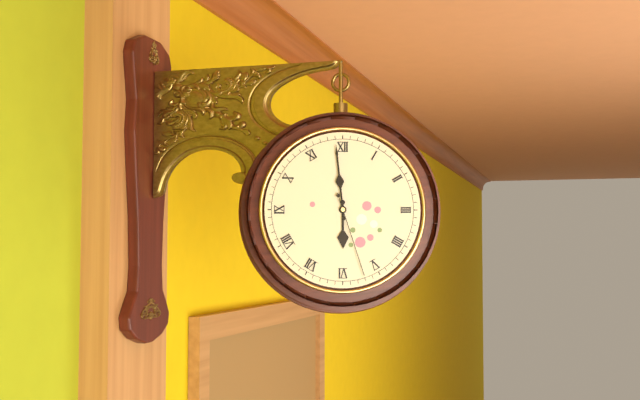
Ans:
5 h 59 min 27 s
